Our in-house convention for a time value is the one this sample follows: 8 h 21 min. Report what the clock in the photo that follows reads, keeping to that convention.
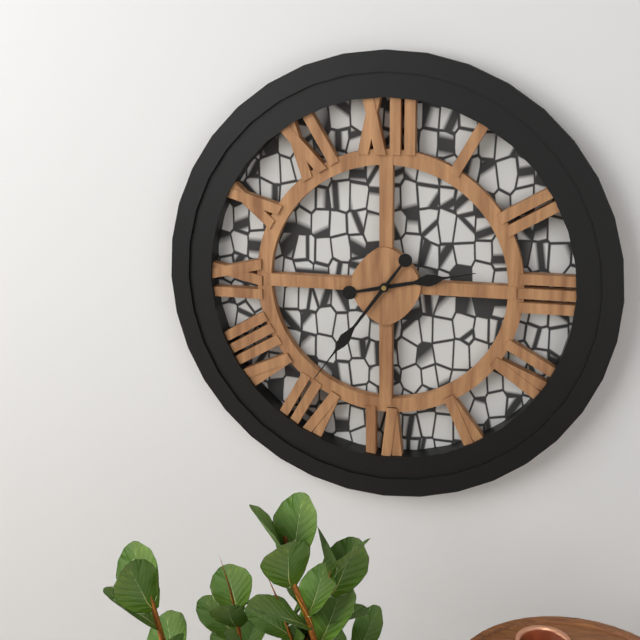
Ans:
2 h 36 min
